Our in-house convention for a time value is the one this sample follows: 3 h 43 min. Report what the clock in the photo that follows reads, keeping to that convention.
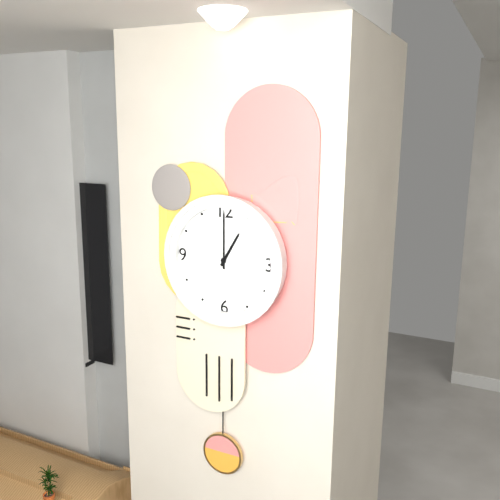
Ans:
1 h 00 min
